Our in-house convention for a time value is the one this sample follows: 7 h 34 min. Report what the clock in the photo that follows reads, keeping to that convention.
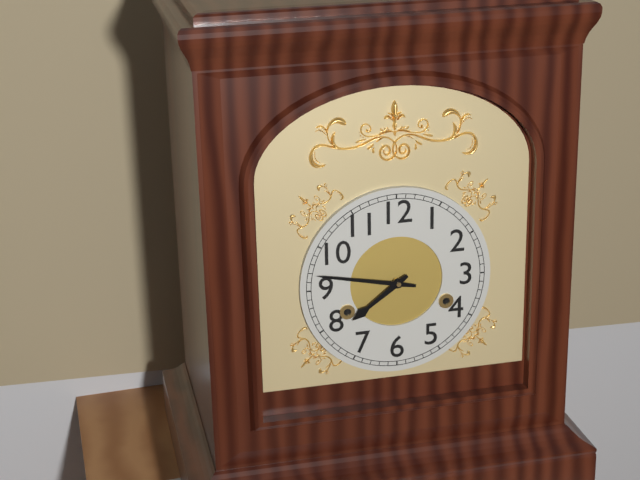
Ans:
7 h 47 min
